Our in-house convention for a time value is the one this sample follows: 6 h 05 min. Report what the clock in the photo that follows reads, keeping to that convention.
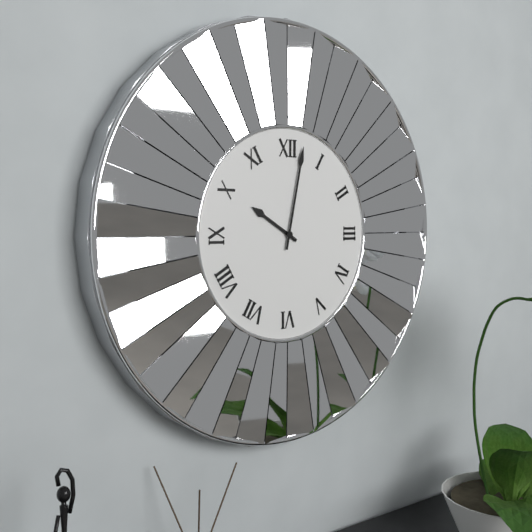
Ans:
10 h 02 min
